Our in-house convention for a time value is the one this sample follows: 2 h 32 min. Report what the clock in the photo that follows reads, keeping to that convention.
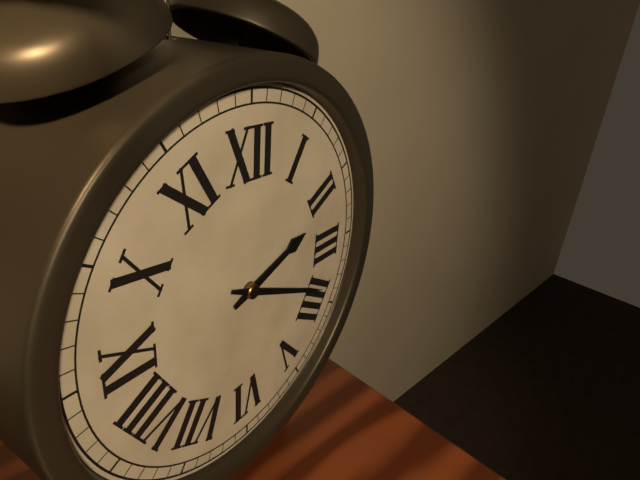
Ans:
2 h 19 min
